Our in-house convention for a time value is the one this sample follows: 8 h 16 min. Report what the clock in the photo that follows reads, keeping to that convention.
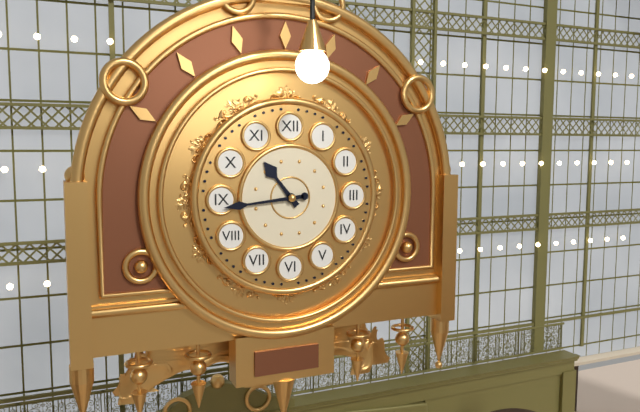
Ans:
10 h 44 min
